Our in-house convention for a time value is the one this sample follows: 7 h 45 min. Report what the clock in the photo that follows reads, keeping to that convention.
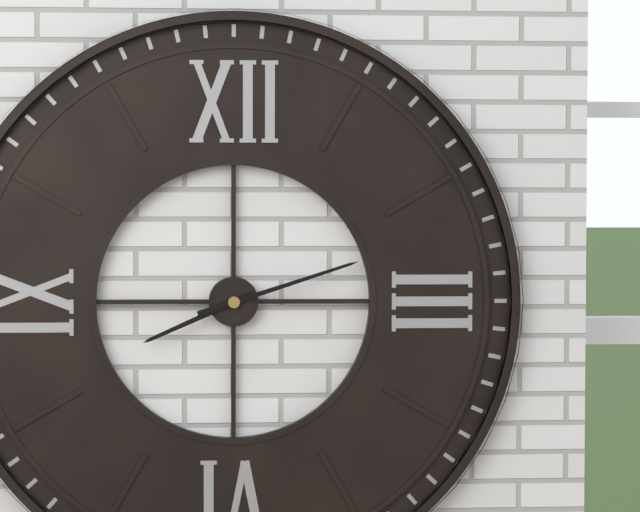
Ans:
8 h 12 min
